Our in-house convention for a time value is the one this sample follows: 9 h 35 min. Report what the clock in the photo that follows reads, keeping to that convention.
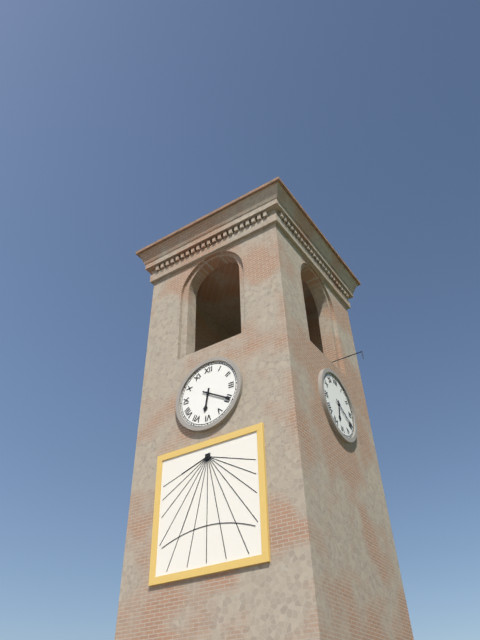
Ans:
6 h 20 min
